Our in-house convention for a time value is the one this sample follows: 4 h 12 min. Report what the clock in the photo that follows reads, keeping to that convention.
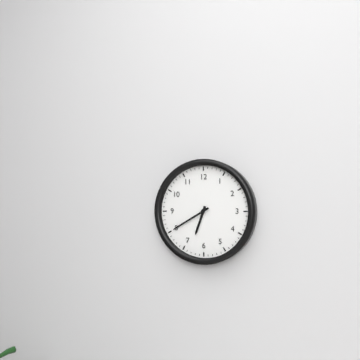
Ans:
6 h 40 min
